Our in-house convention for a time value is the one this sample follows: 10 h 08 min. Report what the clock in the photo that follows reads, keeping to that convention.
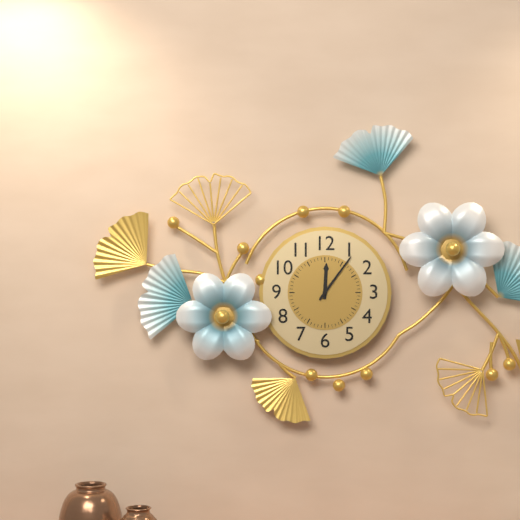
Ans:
12 h 06 min
